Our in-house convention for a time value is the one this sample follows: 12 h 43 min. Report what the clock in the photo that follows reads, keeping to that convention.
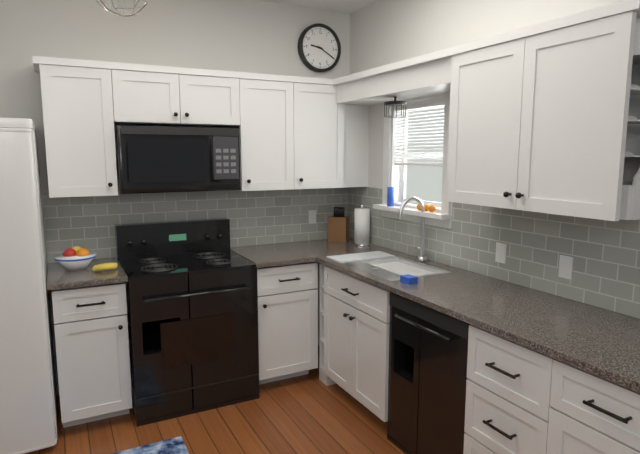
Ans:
9 h 20 min
